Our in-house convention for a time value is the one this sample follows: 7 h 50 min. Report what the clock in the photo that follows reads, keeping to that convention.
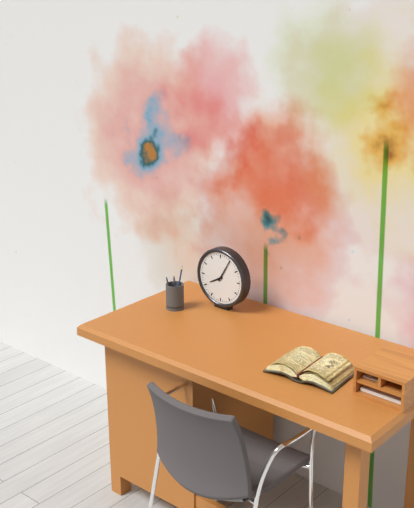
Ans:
8 h 05 min
